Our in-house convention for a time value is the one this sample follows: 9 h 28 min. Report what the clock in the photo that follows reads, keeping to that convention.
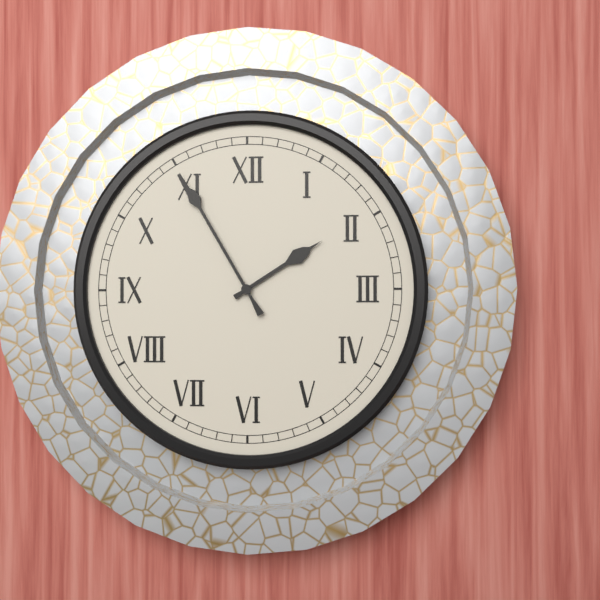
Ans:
1 h 55 min
